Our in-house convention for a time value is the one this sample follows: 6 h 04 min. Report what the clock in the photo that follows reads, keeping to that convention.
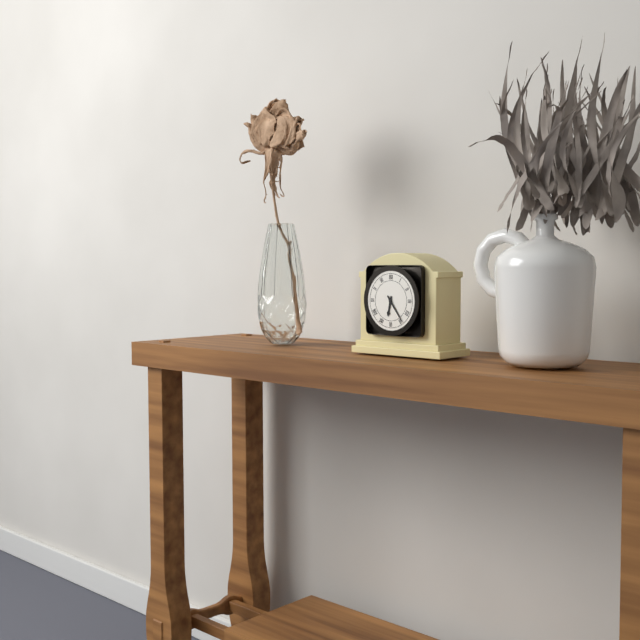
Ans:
6 h 24 min
